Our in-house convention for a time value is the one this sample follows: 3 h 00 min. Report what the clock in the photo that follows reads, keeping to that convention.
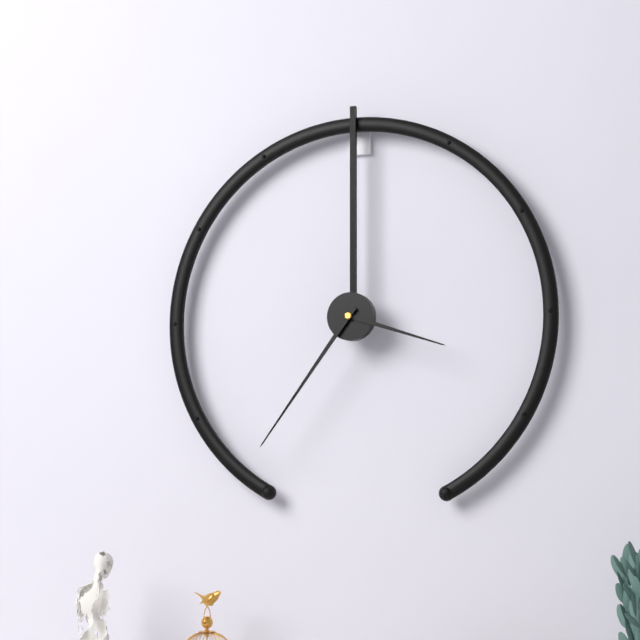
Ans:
3 h 36 min
